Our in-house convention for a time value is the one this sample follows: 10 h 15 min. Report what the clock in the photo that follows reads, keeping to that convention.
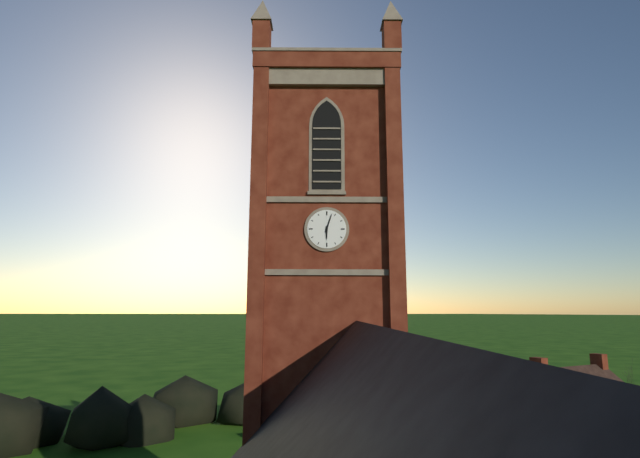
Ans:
6 h 03 min
